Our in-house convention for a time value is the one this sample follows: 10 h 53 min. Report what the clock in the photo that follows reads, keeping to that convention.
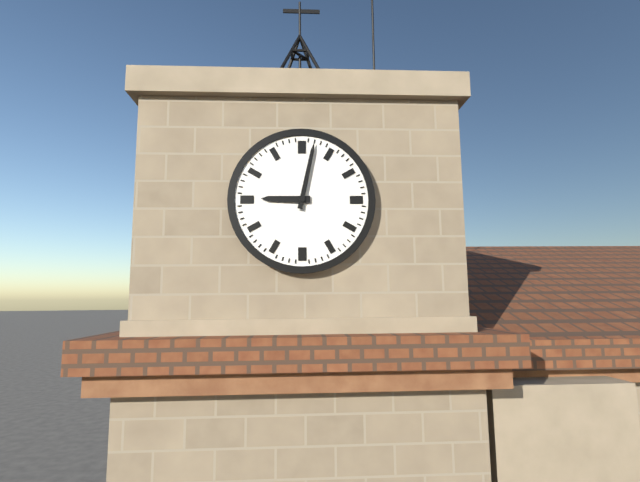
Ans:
9 h 02 min
